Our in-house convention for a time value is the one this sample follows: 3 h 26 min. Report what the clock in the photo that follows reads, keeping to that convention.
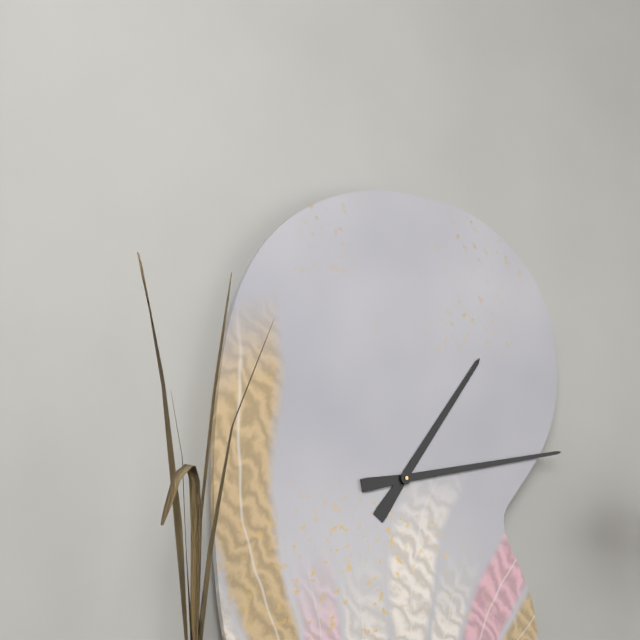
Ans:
1 h 13 min
